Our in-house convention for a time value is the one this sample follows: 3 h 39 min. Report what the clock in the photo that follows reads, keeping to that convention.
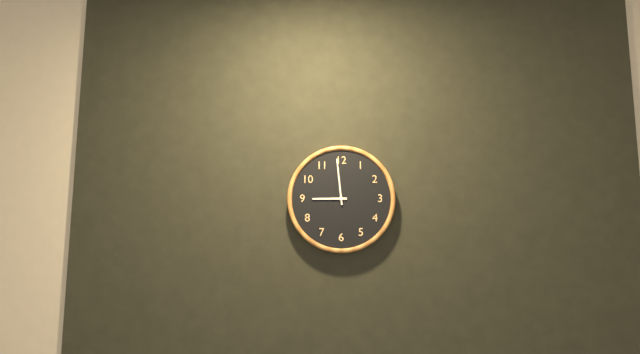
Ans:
8 h 59 min
